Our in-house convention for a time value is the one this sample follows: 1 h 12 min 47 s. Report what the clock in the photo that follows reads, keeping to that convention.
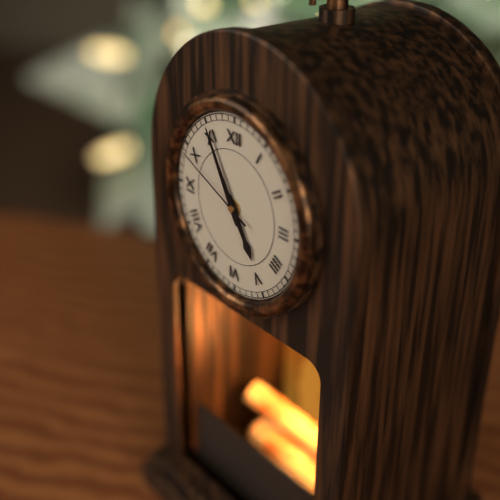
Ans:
4 h 55 min 49 s
